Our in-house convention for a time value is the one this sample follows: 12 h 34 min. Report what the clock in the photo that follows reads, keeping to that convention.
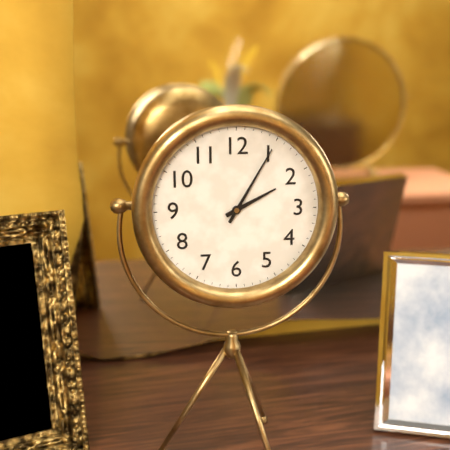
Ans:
2 h 05 min
